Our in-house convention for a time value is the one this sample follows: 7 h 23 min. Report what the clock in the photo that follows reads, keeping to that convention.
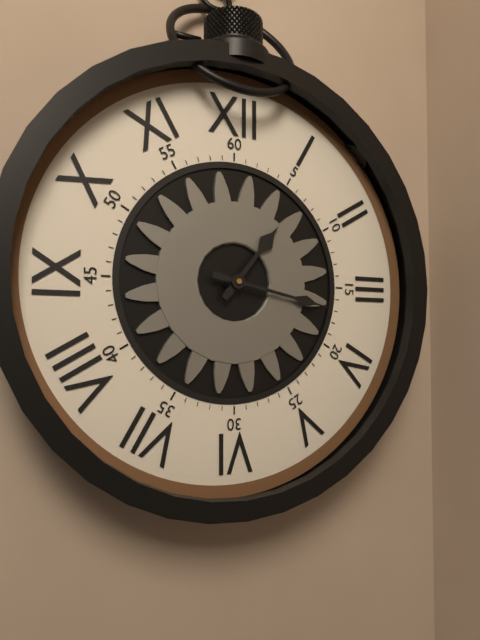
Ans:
1 h 17 min
